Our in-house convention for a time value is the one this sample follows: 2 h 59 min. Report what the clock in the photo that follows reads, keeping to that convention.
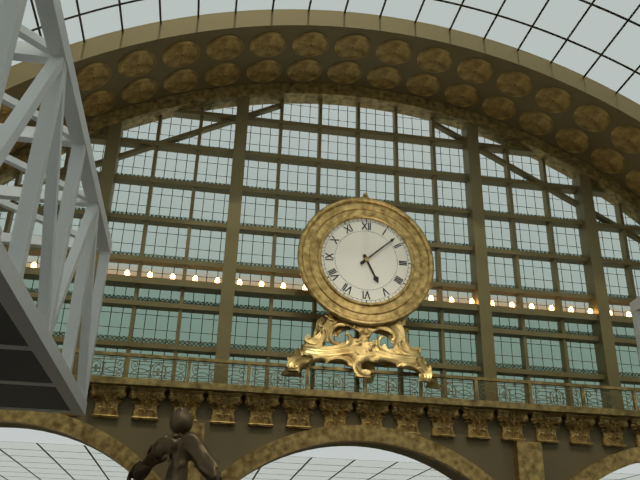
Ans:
5 h 08 min
